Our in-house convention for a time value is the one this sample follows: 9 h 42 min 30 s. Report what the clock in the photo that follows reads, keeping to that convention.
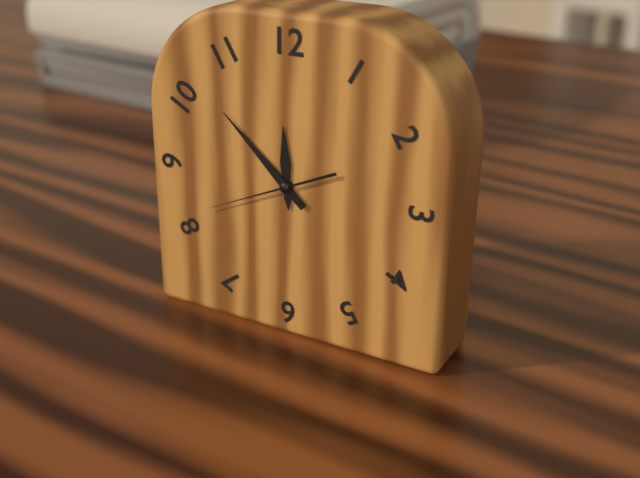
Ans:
11 h 52 min 41 s
